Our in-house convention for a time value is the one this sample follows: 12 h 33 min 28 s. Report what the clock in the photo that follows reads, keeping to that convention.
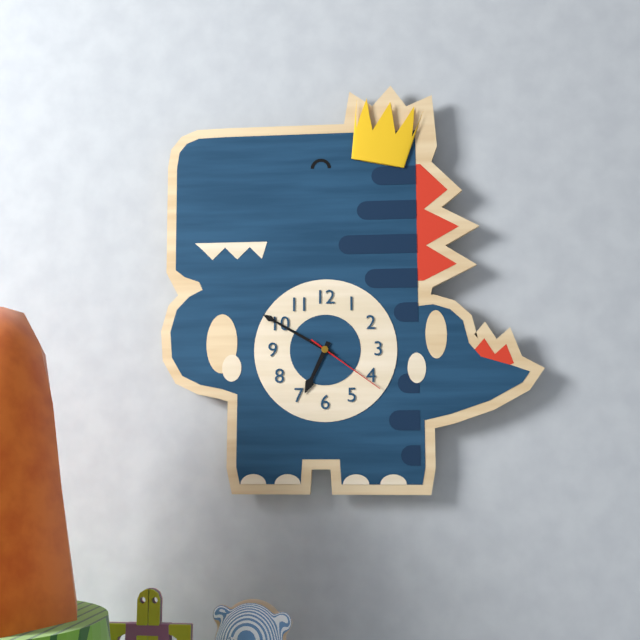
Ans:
6 h 50 min 21 s
